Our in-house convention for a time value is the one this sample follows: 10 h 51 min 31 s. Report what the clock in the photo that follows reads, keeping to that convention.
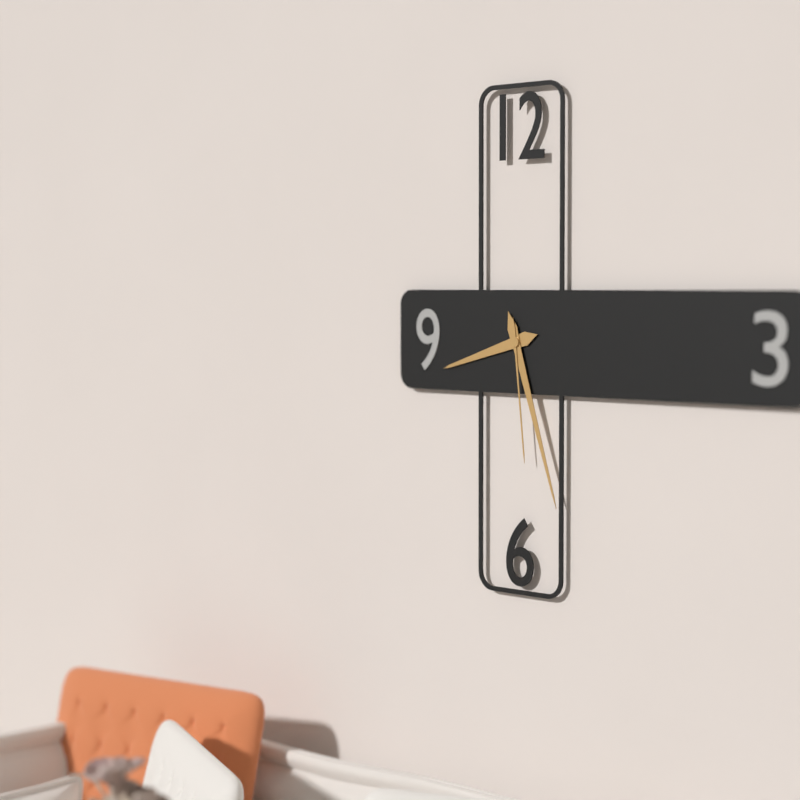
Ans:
8 h 27 min 29 s
